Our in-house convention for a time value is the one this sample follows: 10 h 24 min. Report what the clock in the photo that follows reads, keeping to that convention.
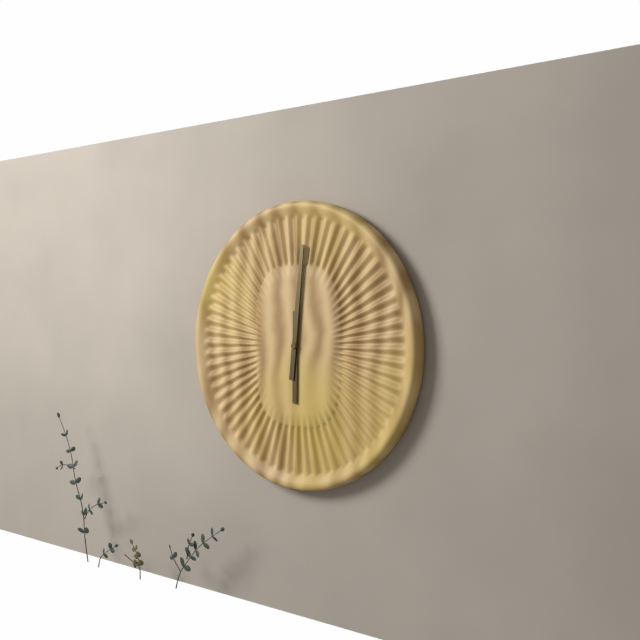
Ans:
6 h 01 min
